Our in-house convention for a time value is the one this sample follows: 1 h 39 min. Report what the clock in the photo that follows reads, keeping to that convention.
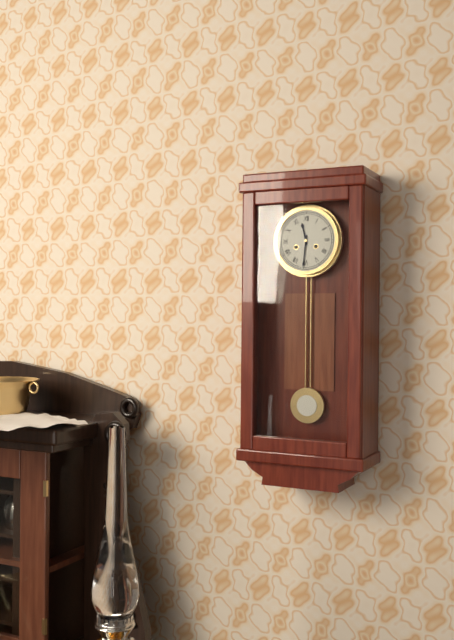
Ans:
11 h 31 min
